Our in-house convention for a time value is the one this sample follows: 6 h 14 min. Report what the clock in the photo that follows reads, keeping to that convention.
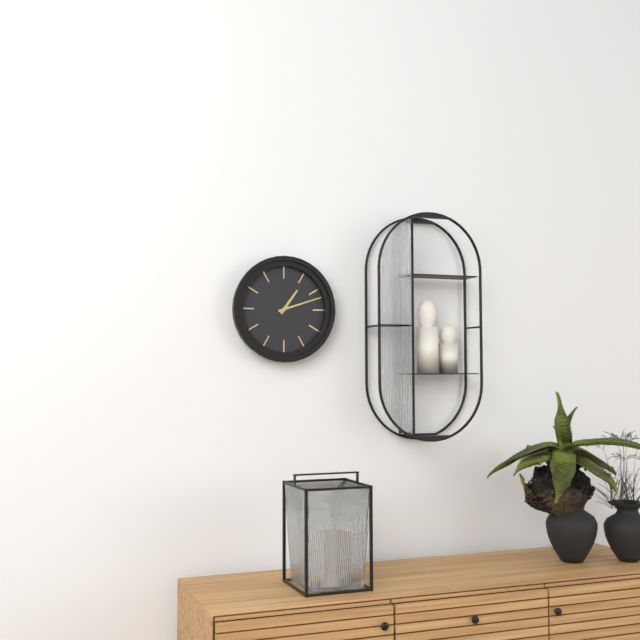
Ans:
1 h 12 min
